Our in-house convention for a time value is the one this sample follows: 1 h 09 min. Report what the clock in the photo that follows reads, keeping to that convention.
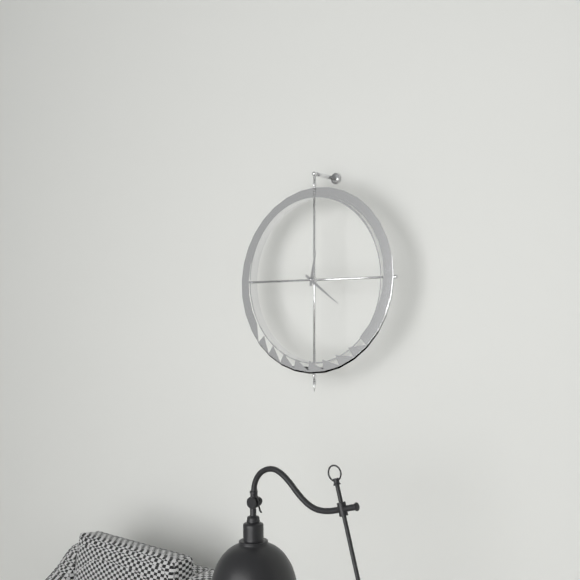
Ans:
12 h 21 min
